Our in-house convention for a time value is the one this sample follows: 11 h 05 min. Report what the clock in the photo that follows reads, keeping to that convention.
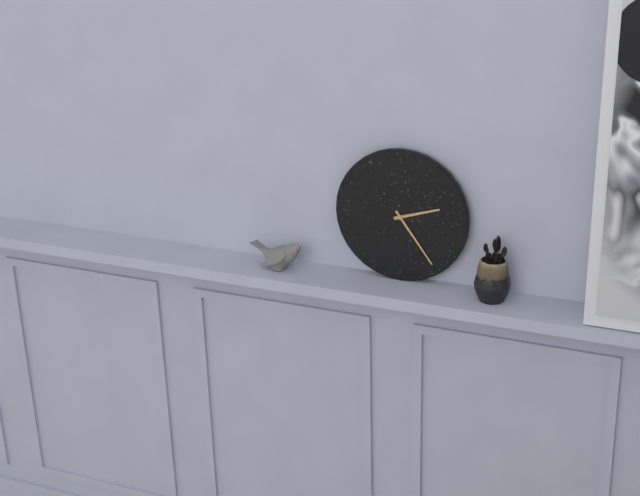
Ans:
2 h 24 min
